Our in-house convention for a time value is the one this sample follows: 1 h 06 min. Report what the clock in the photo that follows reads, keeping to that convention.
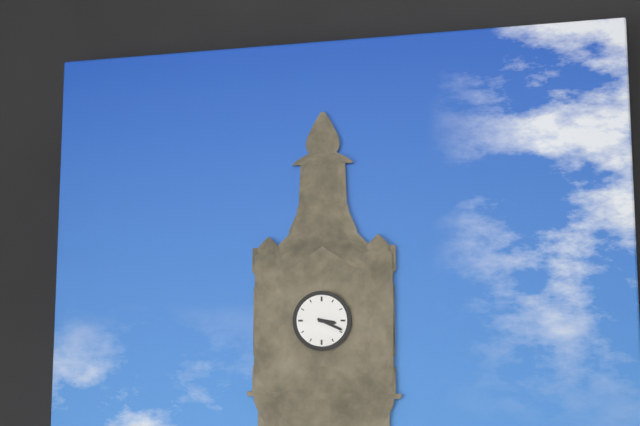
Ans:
3 h 19 min
